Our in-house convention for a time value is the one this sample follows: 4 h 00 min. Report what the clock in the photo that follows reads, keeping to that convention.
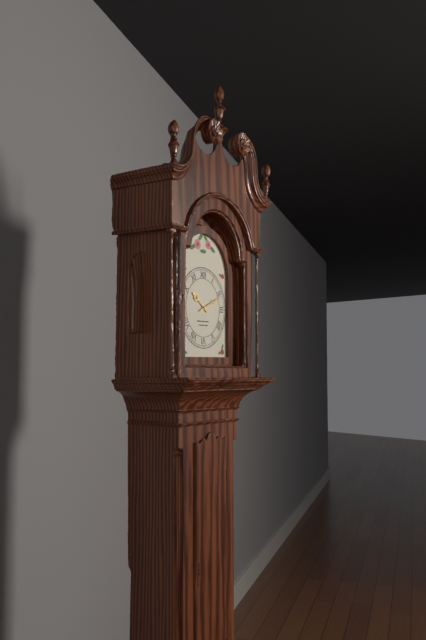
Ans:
10 h 11 min
